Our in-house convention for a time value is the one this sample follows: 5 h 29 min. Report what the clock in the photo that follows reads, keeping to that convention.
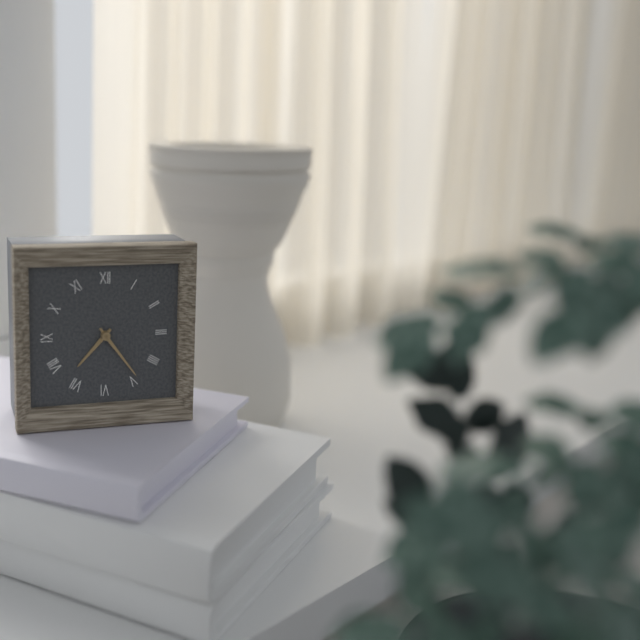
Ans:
7 h 24 min
